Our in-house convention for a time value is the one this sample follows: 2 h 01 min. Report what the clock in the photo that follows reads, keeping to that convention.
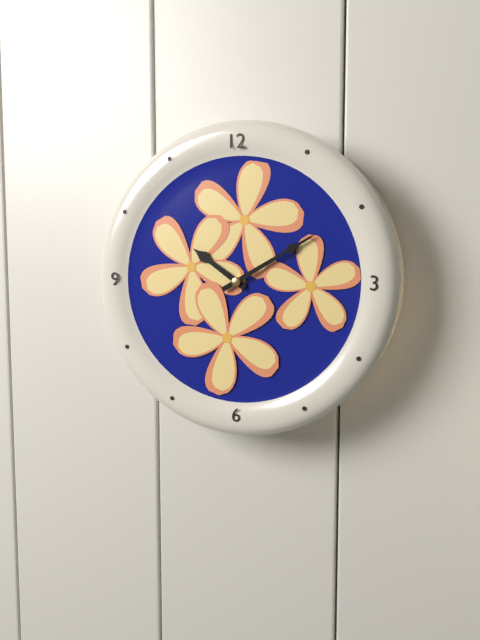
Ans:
10 h 10 min
